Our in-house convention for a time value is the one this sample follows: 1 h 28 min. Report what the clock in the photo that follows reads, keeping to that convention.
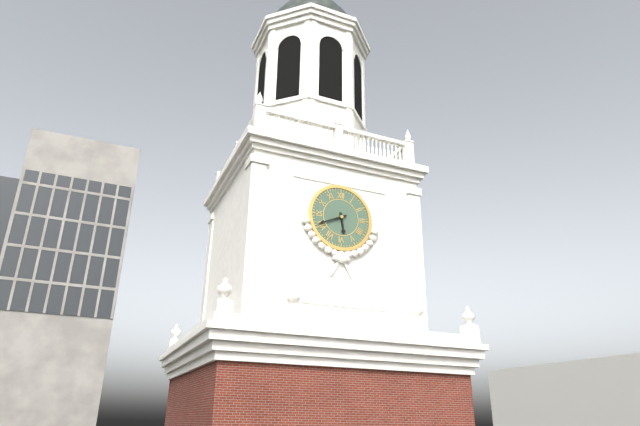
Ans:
5 h 41 min
